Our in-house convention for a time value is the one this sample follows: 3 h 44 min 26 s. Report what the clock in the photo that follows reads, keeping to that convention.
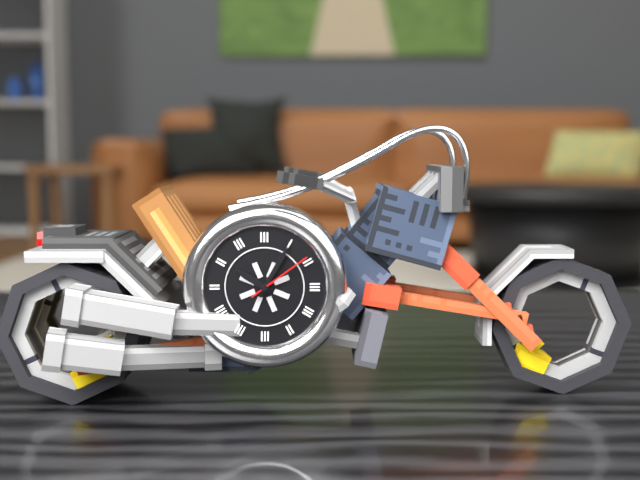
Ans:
10 h 05 min 09 s
